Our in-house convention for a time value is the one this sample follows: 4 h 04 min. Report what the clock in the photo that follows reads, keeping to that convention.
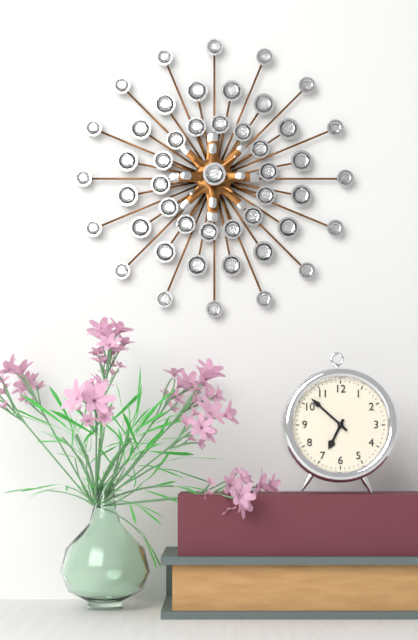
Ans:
6 h 52 min
